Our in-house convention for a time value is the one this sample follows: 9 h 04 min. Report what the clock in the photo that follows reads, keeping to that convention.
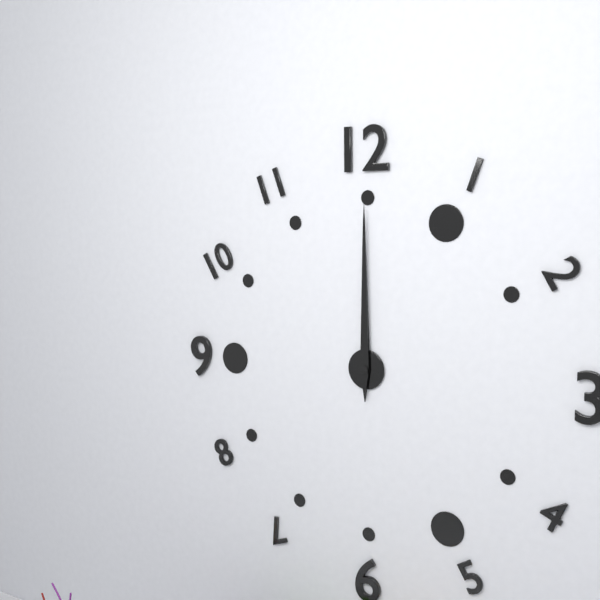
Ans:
12 h 00 min
